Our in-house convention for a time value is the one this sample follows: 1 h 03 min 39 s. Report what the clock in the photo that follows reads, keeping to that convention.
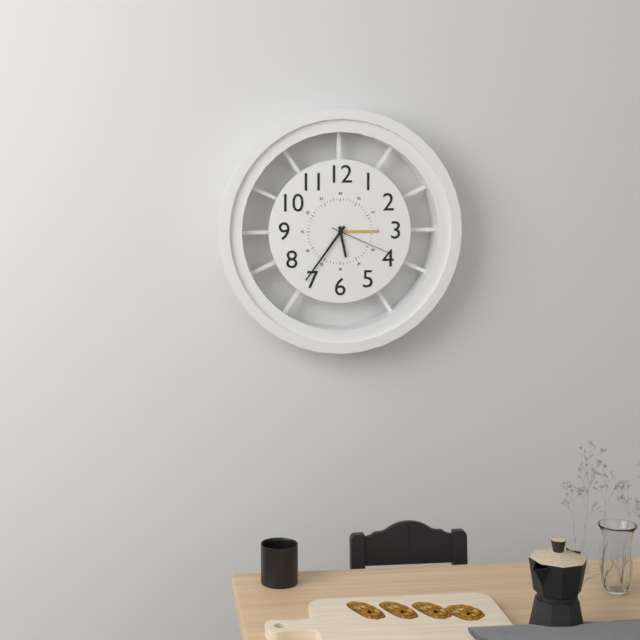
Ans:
5 h 36 min 19 s
